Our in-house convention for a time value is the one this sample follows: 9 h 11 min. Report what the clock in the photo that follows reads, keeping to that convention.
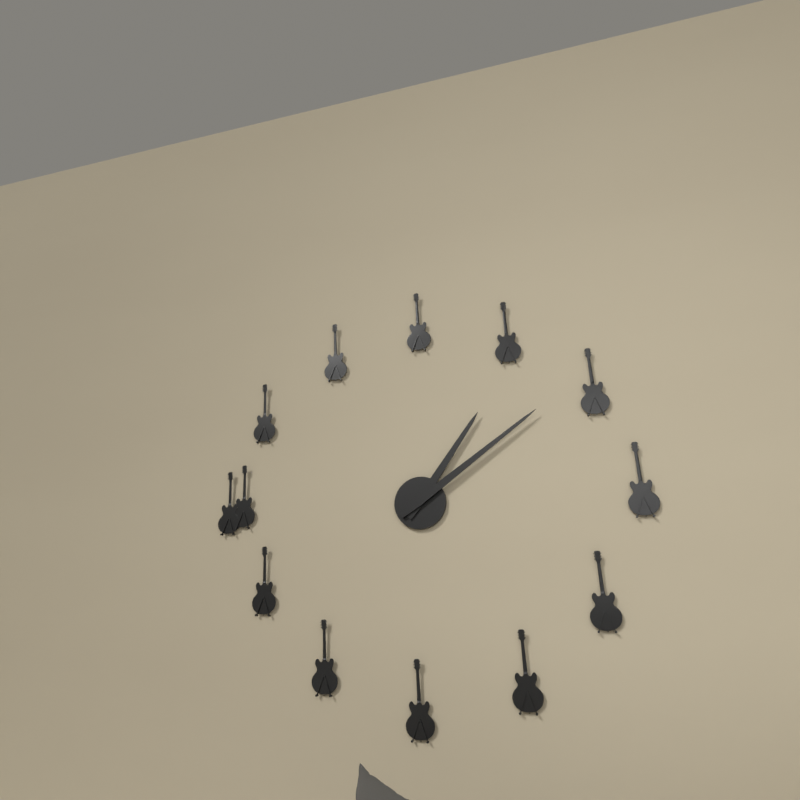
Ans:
1 h 09 min
